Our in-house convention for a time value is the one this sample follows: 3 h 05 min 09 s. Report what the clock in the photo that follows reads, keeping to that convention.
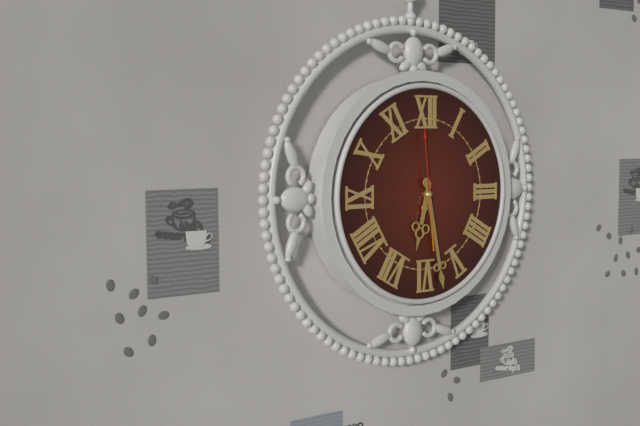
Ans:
6 h 28 min 59 s
